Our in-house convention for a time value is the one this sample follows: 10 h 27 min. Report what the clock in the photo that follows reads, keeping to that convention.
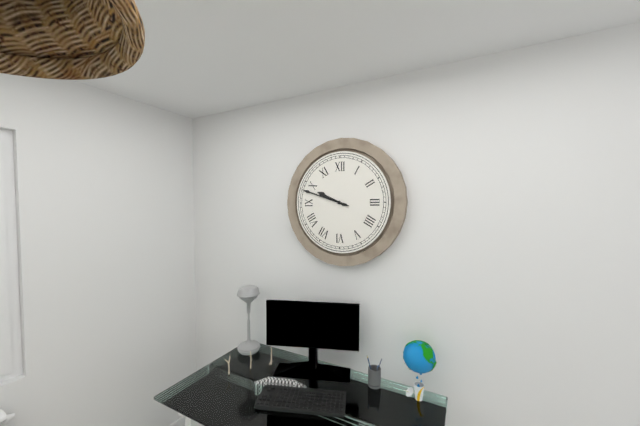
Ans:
9 h 48 min
